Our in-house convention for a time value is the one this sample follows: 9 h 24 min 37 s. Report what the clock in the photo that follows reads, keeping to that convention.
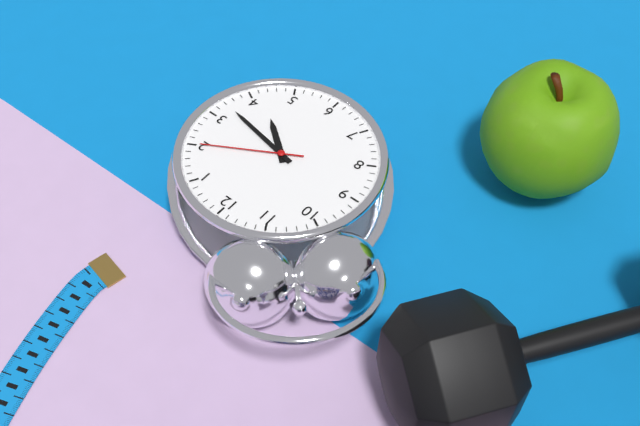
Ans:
4 h 17 min 10 s
